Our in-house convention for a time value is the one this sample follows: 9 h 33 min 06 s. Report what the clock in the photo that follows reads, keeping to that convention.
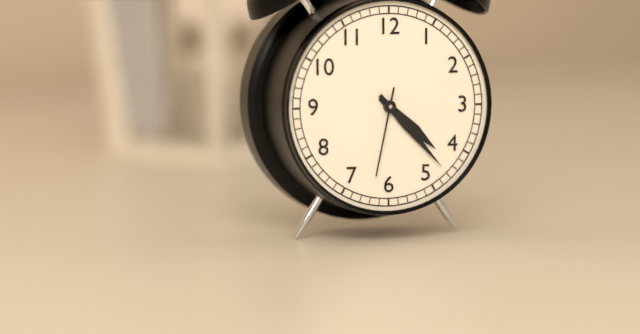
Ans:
4 h 23 min 32 s
